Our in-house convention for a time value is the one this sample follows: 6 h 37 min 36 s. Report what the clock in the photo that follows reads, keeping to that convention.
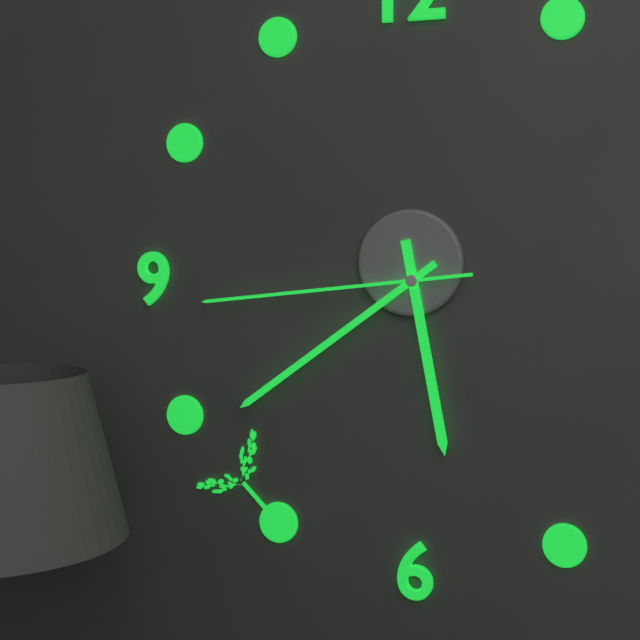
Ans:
5 h 39 min 44 s
